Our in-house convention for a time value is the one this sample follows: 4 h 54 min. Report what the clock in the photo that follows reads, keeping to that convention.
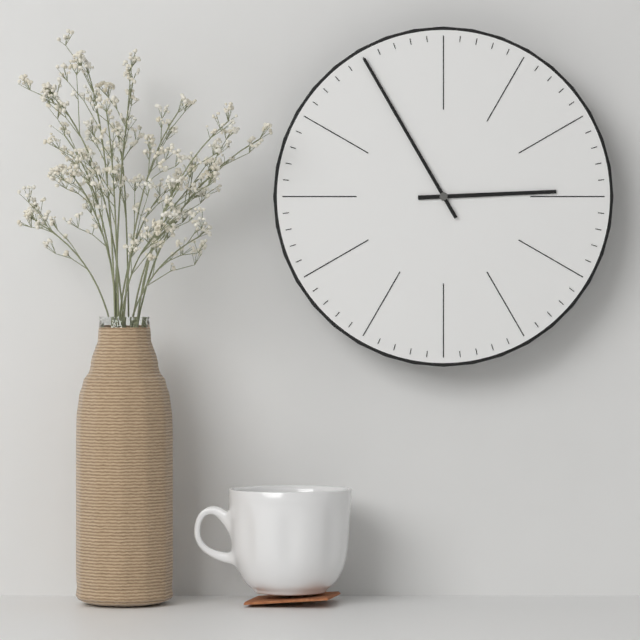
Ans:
2 h 55 min
